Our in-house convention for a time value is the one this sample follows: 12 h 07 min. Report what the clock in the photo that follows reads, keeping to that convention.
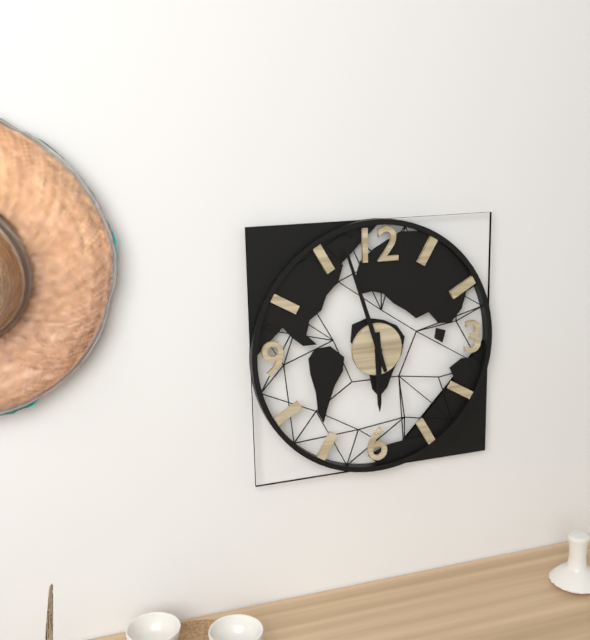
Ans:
5 h 57 min
